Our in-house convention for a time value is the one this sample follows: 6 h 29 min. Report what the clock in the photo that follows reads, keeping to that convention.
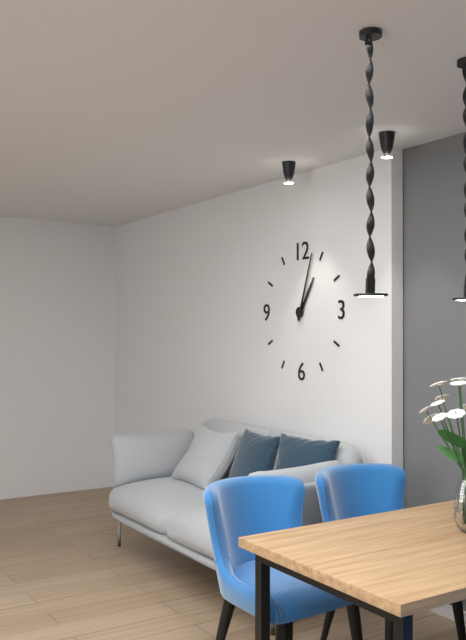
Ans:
1 h 03 min
